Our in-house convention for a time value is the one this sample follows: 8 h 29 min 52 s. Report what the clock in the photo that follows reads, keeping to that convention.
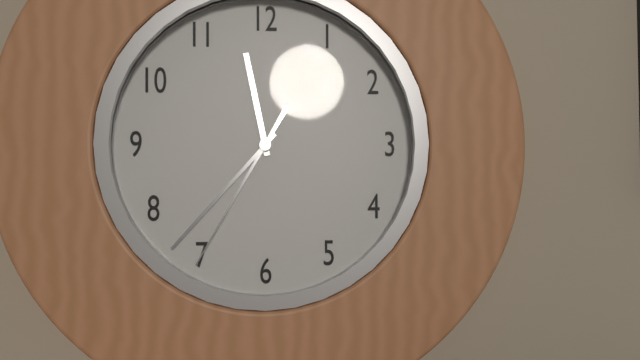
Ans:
11 h 37 min 35 s
